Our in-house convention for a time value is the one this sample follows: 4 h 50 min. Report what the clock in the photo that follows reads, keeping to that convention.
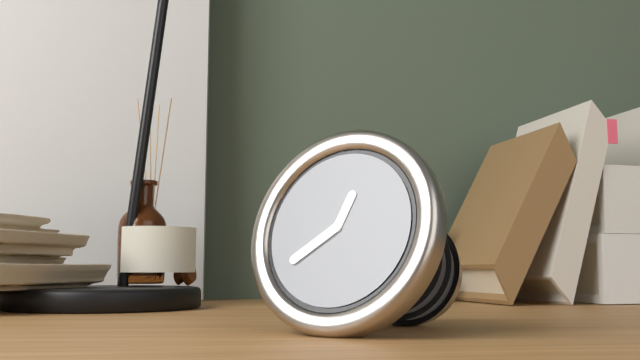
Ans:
12 h 39 min
